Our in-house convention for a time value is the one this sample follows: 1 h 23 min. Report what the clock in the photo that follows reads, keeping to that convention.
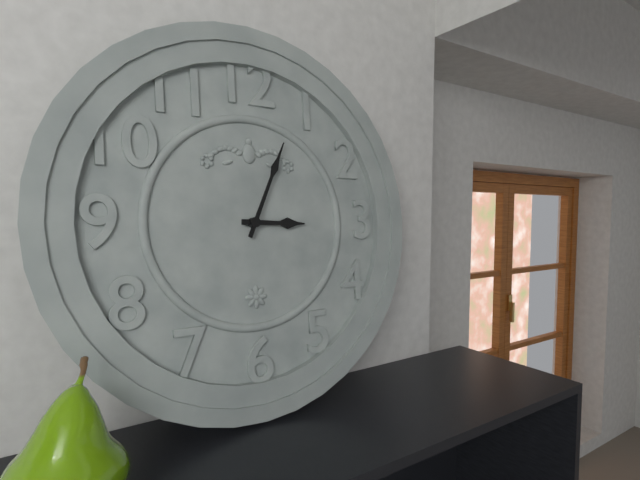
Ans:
3 h 04 min
